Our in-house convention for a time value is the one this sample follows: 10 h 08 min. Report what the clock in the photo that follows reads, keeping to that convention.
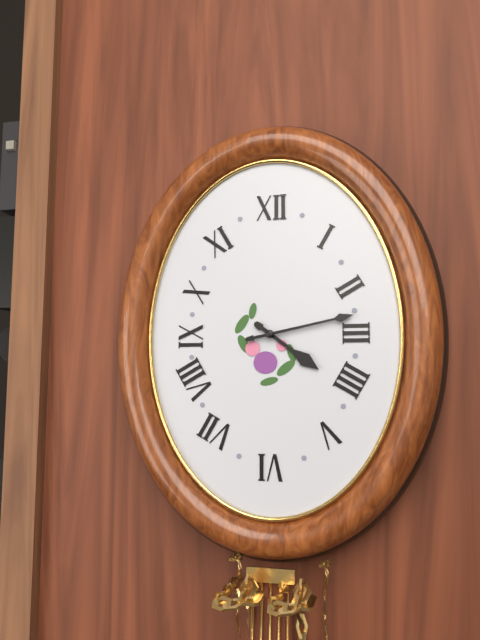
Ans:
4 h 13 min
